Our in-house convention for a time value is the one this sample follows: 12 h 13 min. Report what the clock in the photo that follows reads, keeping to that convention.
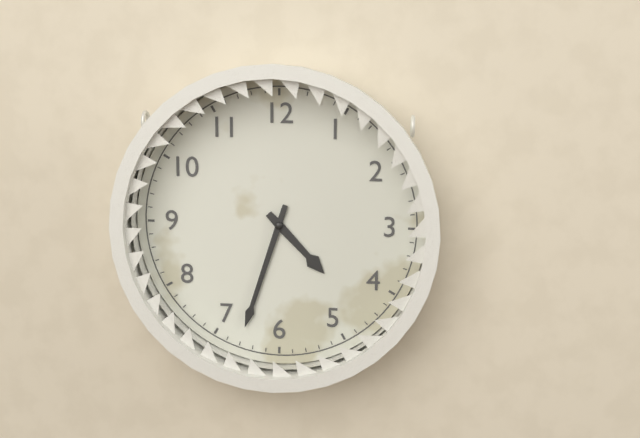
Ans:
4 h 33 min
